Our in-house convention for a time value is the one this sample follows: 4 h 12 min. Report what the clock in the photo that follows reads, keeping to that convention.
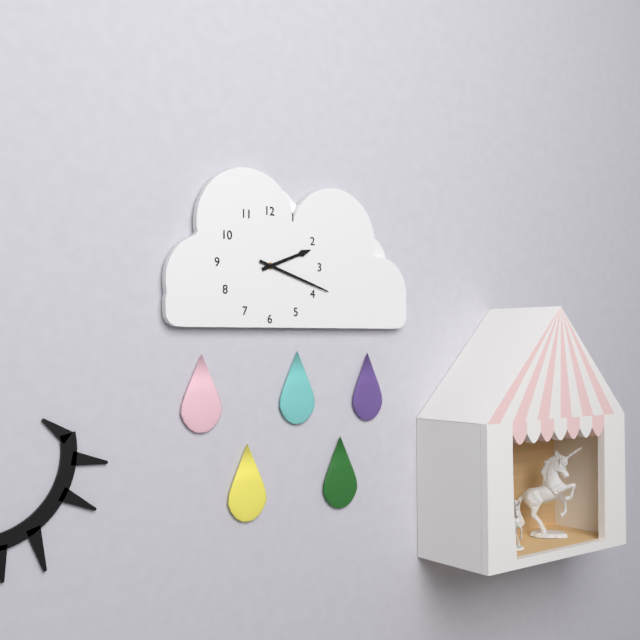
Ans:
2 h 18 min
